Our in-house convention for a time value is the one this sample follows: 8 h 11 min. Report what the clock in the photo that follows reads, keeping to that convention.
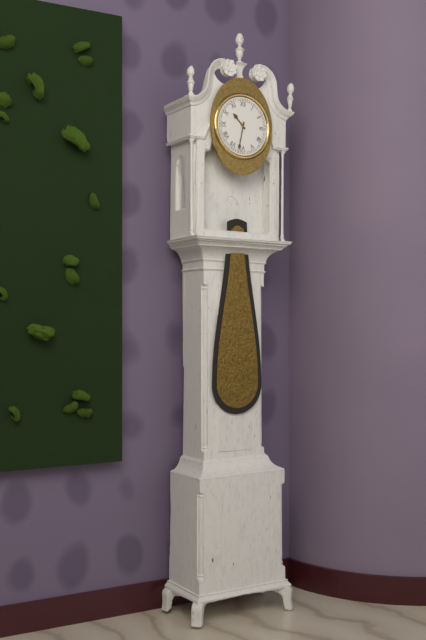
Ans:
10 h 32 min
